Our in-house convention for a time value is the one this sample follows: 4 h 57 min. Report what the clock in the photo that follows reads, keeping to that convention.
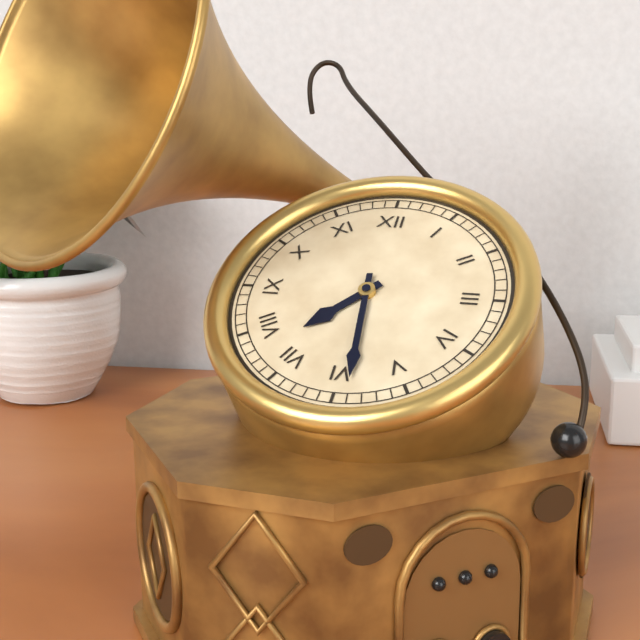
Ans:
7 h 29 min
